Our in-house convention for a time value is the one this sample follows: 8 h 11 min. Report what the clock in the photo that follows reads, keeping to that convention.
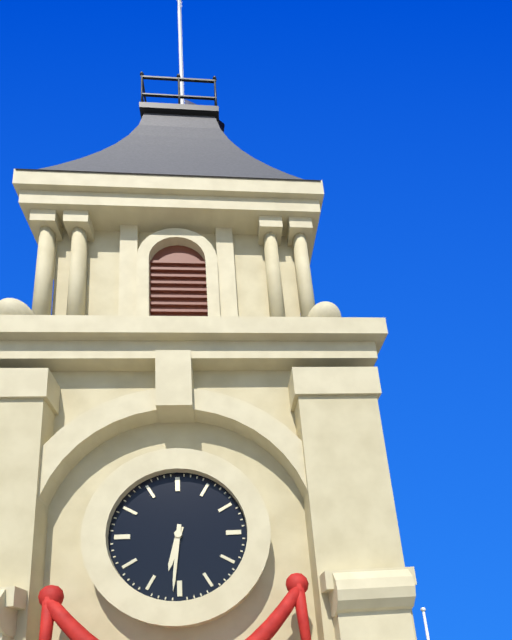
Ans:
6 h 31 min
